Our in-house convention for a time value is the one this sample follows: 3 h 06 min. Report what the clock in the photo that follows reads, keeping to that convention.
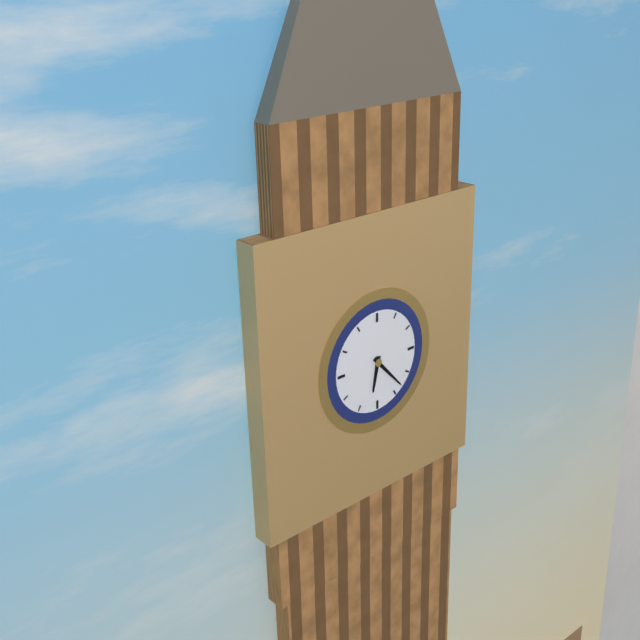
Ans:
6 h 23 min
